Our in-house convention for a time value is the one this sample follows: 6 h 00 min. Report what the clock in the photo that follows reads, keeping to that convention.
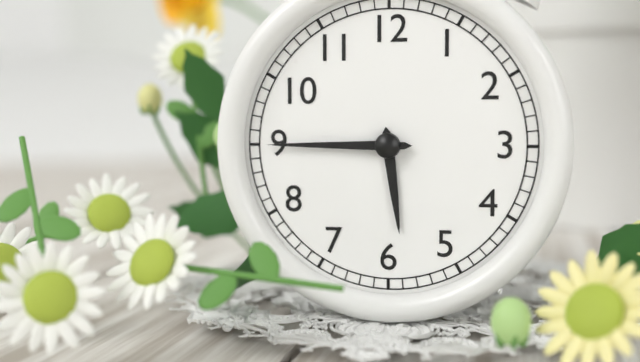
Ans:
5 h 45 min
